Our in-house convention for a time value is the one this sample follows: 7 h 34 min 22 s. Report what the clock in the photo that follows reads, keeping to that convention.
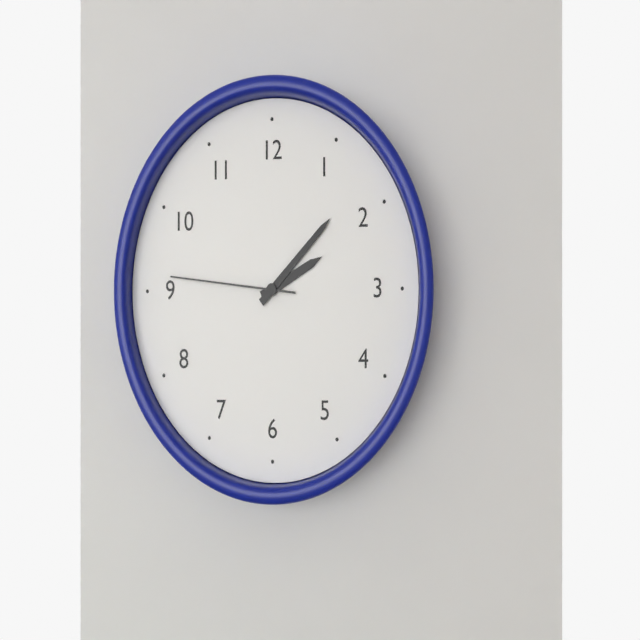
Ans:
2 h 08 min 46 s
